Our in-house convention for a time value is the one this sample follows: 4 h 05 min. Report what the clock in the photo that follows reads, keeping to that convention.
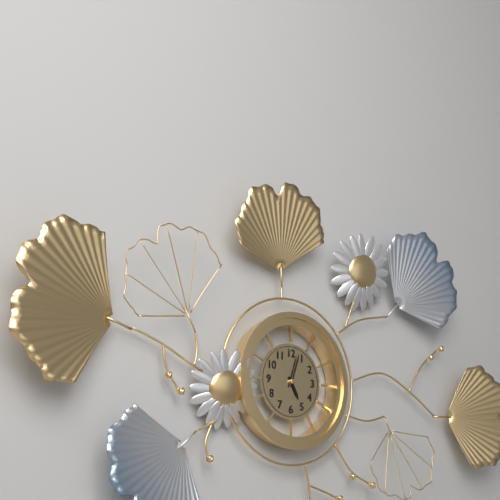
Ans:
5 h 03 min
